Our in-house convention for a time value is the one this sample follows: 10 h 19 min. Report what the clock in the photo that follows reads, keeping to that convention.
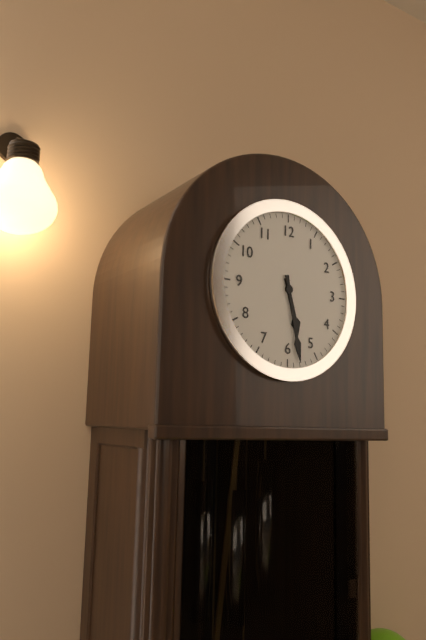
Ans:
5 h 28 min
